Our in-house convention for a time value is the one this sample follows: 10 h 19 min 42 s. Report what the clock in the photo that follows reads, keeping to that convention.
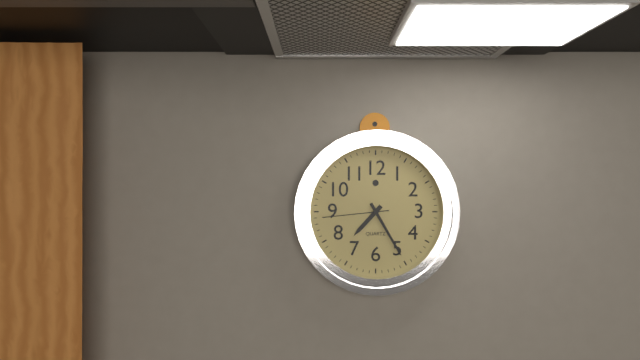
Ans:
7 h 25 min 44 s
